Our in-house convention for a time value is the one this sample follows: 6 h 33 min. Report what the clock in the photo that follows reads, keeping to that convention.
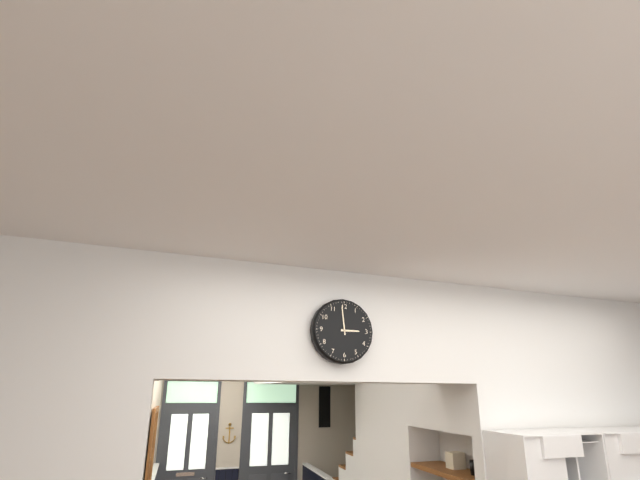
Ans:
2 h 59 min
